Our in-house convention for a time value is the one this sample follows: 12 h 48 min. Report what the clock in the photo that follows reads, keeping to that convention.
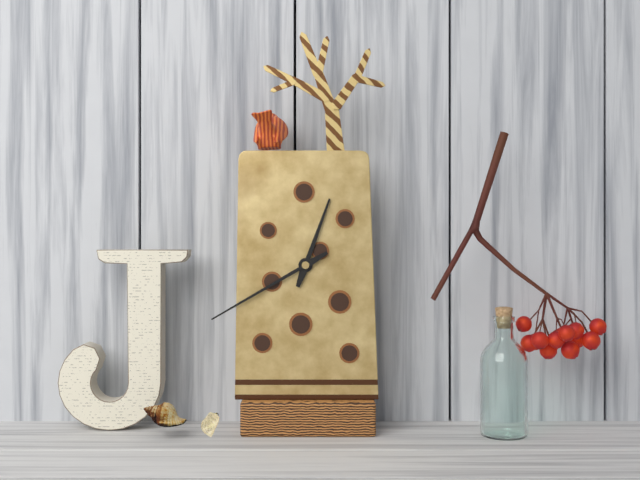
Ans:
12 h 40 min
